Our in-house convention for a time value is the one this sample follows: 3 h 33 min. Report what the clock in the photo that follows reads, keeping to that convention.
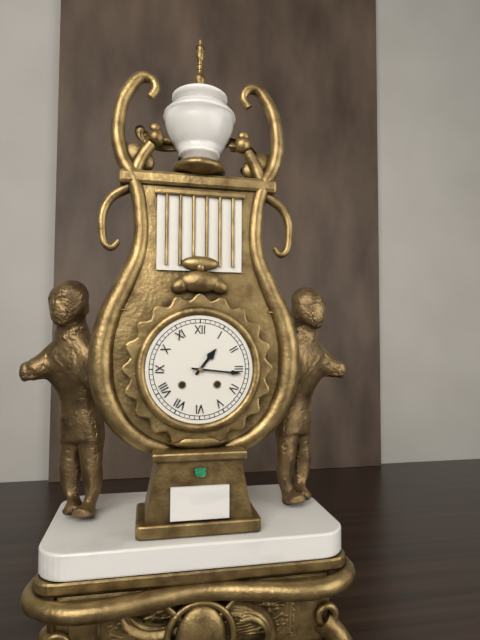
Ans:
1 h 16 min
